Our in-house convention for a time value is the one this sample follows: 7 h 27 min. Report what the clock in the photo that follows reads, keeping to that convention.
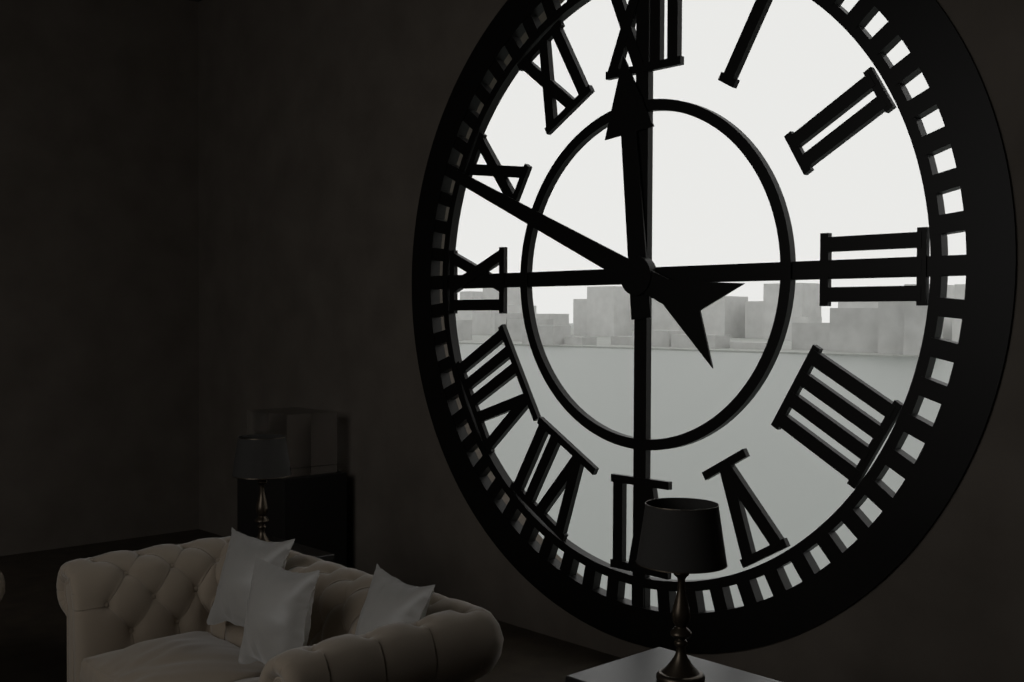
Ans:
11 h 49 min
